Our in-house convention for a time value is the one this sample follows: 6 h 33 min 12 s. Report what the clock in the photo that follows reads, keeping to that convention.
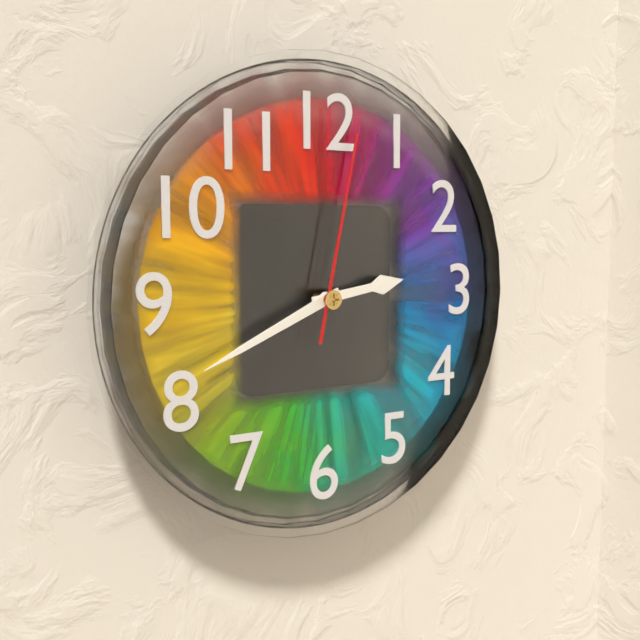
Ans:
2 h 41 min 02 s
